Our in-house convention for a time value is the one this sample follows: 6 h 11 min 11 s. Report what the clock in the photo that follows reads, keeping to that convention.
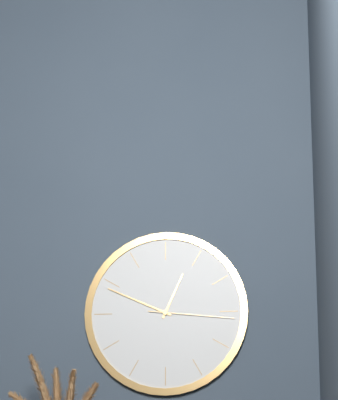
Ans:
12 h 49 min 16 s
